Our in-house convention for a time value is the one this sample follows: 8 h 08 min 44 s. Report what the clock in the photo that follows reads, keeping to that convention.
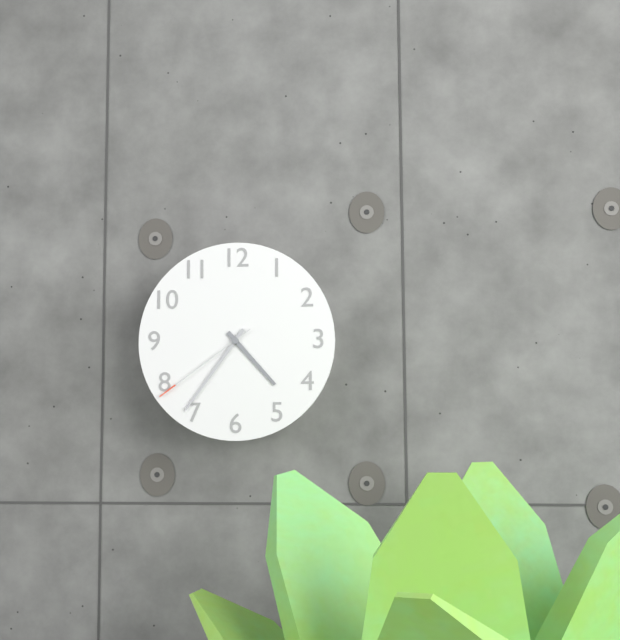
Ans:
4 h 36 min 39 s
